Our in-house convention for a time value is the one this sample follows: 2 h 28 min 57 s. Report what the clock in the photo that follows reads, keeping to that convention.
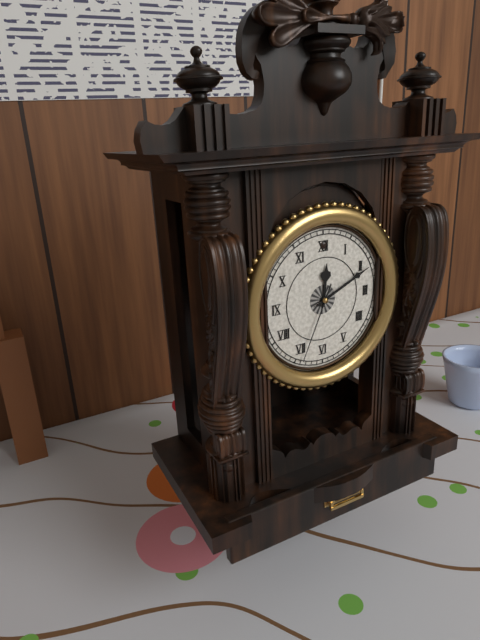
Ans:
12 h 11 min 34 s
